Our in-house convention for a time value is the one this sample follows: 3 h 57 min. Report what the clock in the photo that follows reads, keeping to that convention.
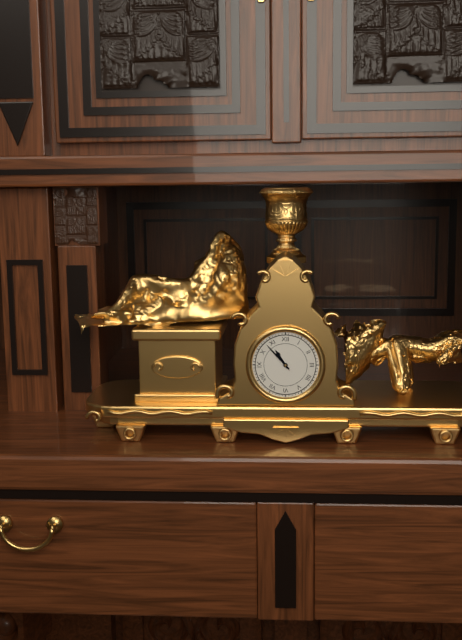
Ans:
10 h 53 min
